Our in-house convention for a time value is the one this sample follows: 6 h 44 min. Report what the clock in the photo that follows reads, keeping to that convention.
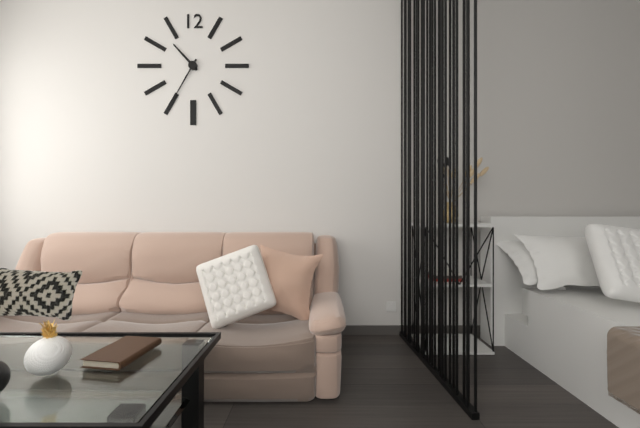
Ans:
10 h 35 min
